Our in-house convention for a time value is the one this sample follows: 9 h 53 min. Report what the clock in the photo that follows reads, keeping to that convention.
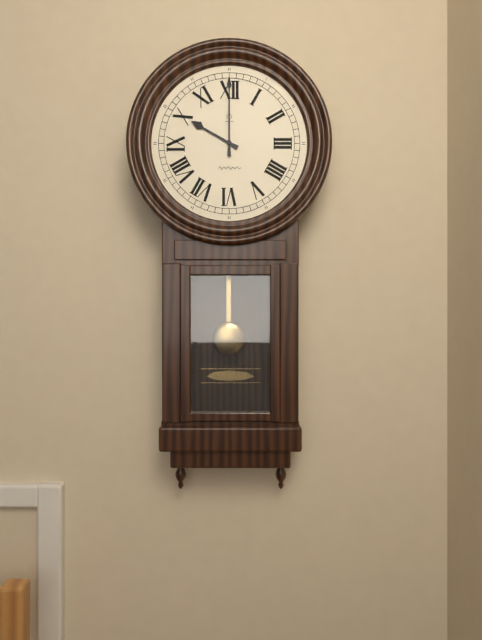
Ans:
10 h 00 min
